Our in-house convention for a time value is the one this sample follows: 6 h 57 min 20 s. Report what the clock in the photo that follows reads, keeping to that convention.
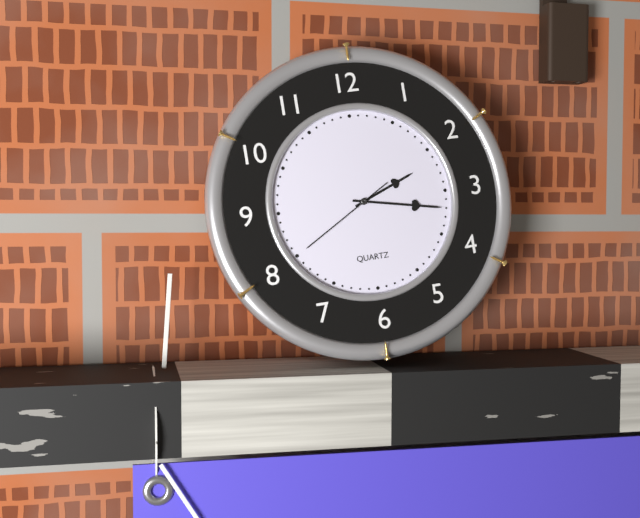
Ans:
2 h 17 min 40 s
